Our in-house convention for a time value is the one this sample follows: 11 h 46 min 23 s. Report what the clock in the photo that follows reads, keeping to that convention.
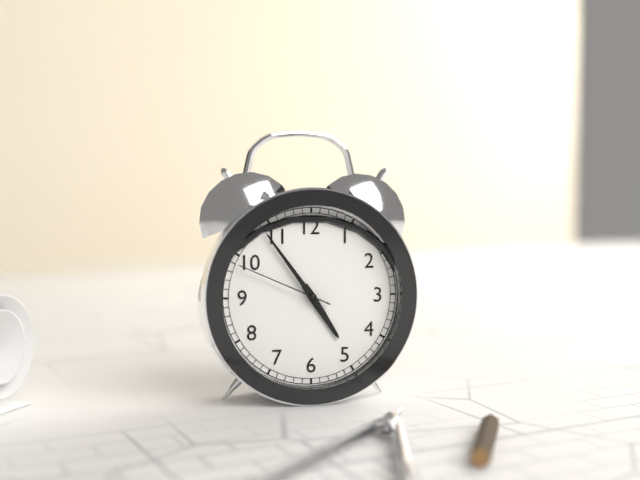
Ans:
4 h 54 min 49 s
